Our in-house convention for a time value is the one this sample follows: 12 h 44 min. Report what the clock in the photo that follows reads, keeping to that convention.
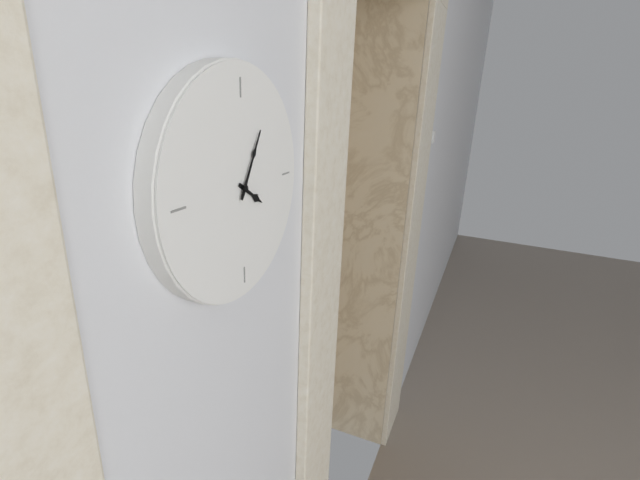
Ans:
4 h 05 min
